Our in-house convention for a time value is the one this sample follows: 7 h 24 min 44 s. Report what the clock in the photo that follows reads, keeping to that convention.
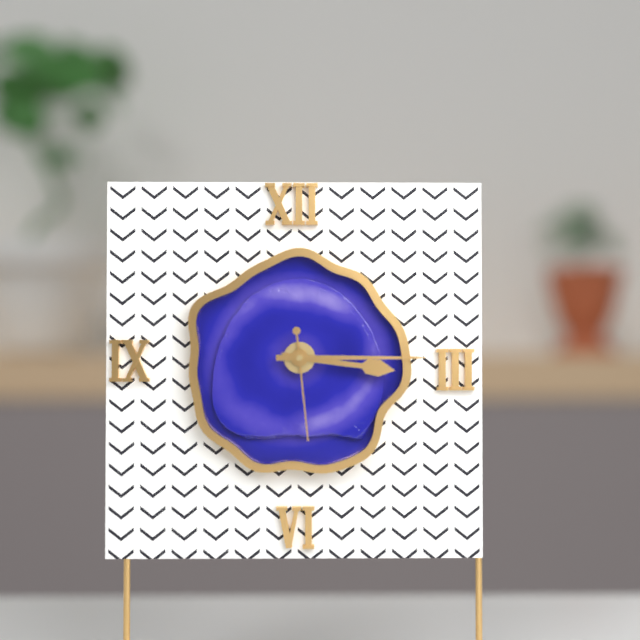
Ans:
3 h 15 min 29 s
